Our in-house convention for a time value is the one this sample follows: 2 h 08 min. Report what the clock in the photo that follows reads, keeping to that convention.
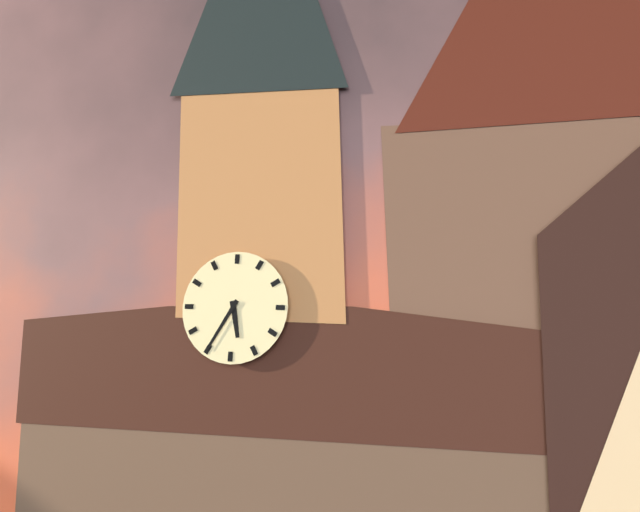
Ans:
5 h 35 min
